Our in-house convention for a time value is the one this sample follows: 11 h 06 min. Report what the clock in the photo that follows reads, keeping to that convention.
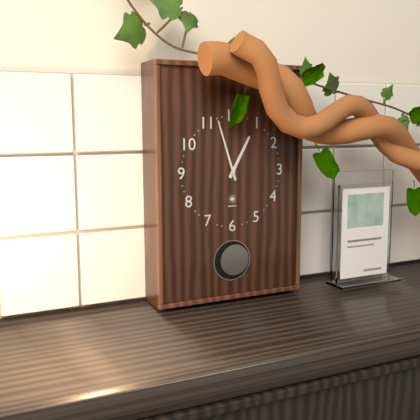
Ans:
12 h 57 min
